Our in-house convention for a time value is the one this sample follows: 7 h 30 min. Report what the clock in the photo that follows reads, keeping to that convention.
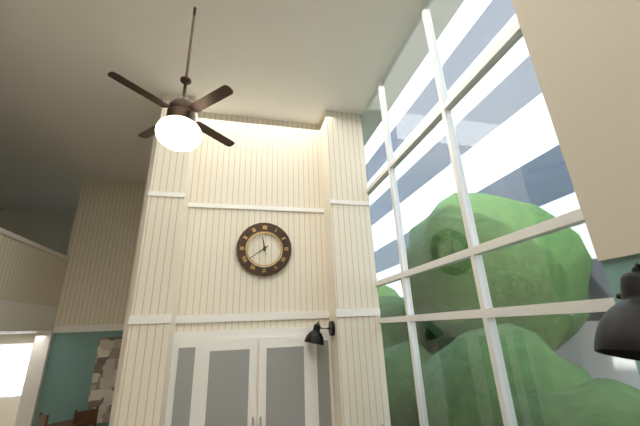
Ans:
11 h 39 min
